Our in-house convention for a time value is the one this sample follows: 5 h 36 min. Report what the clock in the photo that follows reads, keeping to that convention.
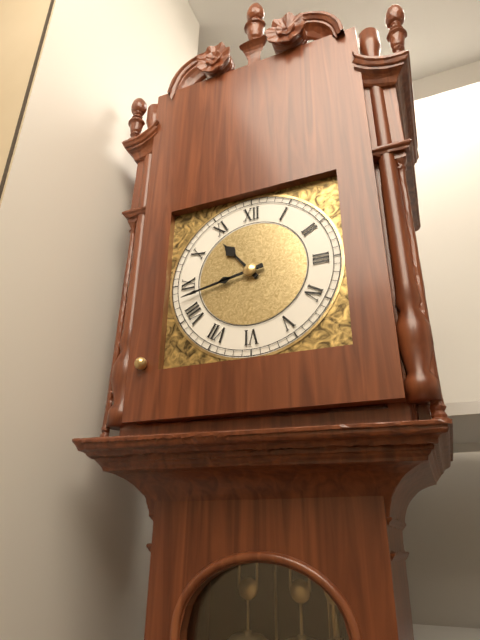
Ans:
10 h 43 min
